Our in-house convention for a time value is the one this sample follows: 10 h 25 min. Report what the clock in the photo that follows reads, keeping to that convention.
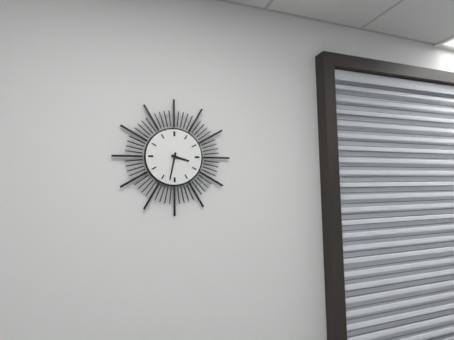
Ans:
3 h 32 min
